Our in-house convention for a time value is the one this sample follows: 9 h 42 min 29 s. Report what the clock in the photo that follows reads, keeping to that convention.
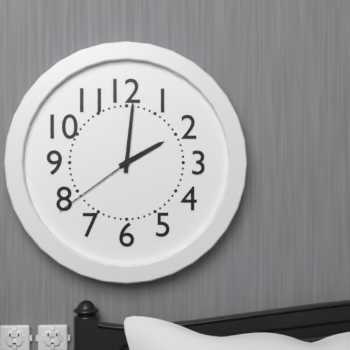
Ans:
2 h 01 min 39 s
